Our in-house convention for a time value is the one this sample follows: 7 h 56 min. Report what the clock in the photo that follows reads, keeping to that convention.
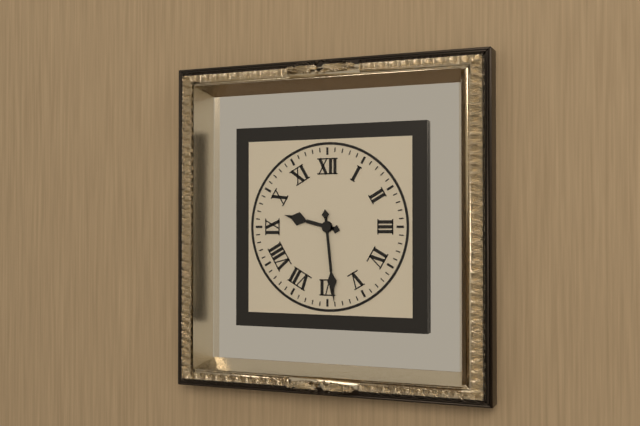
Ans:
9 h 29 min
